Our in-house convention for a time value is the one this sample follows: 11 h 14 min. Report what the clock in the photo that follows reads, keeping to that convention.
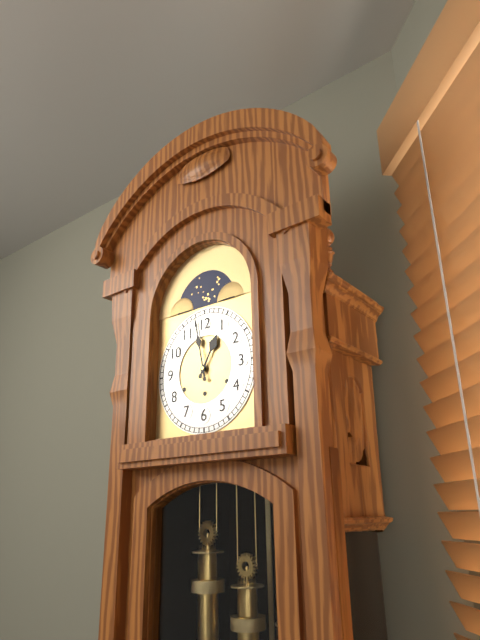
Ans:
12 h 58 min
